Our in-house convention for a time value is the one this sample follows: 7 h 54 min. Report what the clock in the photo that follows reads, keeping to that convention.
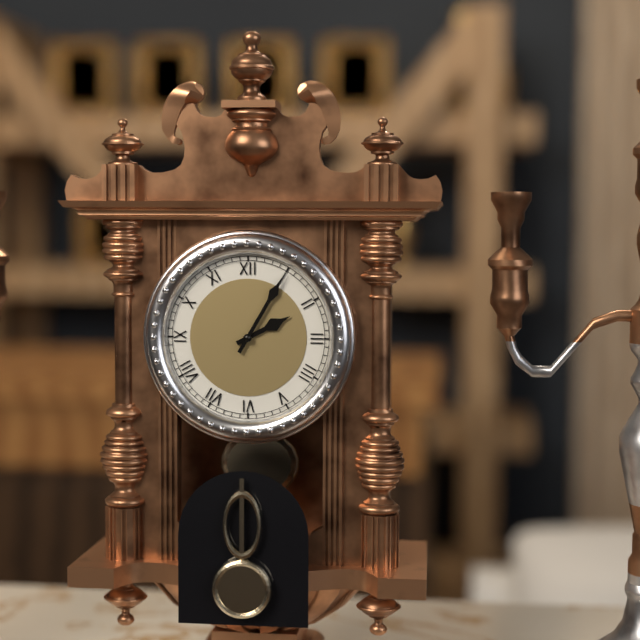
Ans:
2 h 05 min
